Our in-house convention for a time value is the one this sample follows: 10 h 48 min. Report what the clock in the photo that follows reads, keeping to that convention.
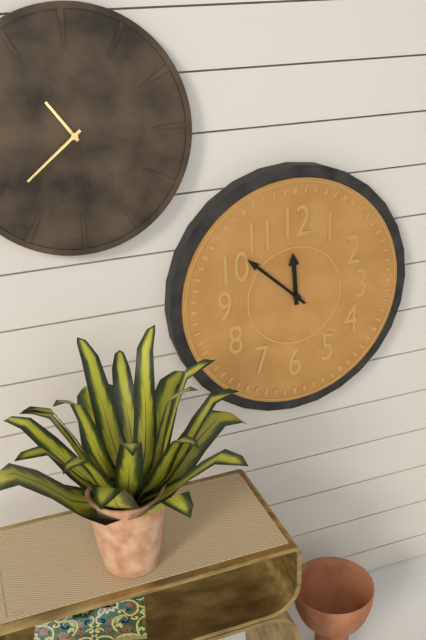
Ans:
11 h 52 min
